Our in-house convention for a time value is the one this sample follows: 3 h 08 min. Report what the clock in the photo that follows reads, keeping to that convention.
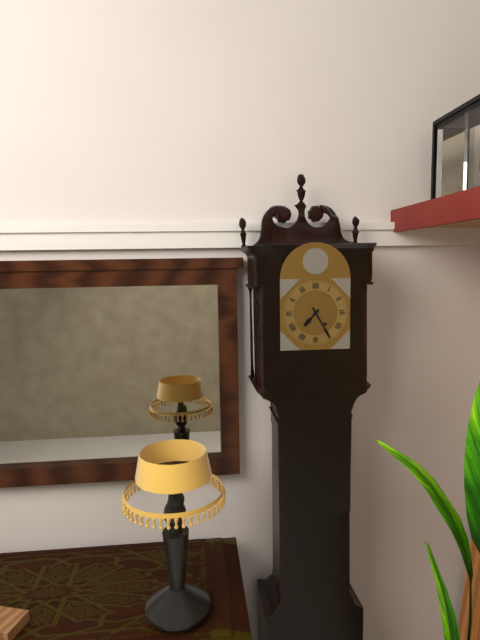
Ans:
7 h 25 min
